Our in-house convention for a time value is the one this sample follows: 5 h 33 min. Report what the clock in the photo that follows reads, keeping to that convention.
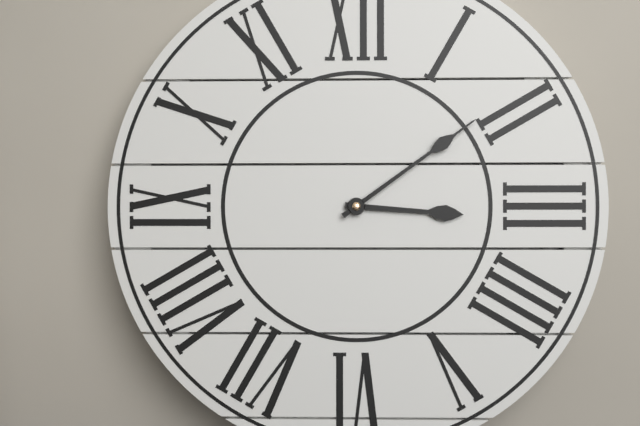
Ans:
3 h 09 min
